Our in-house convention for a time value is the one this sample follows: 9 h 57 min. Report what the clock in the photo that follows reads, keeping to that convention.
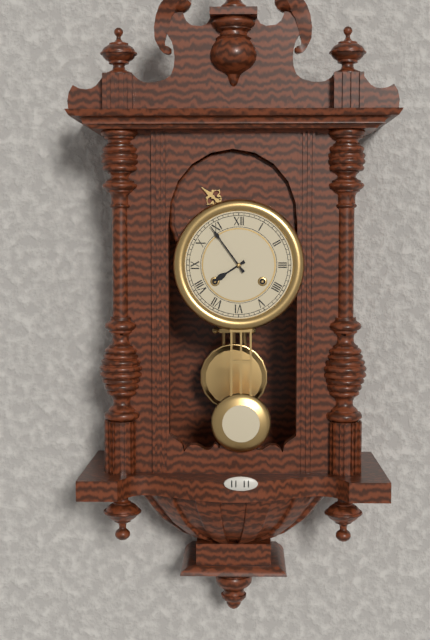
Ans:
7 h 54 min
